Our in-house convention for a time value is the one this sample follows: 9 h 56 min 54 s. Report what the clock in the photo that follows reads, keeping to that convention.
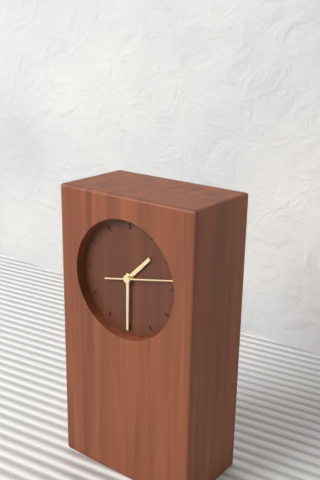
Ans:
1 h 30 min 13 s
